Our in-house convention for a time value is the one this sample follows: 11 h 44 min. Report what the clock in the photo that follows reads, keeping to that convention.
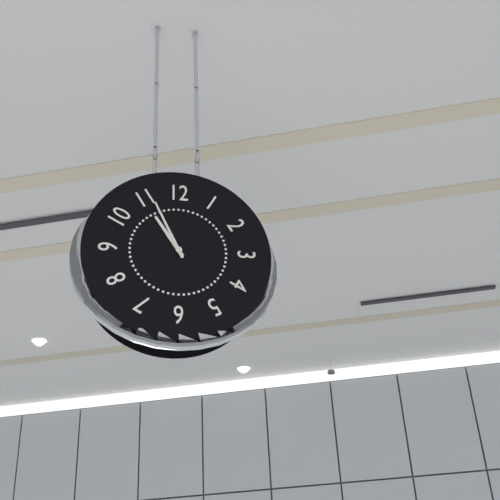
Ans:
10 h 56 min
